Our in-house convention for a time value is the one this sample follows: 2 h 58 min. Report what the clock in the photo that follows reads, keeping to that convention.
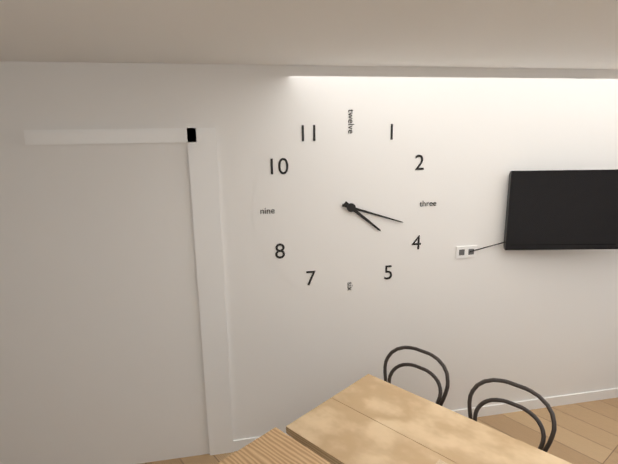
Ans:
4 h 18 min
